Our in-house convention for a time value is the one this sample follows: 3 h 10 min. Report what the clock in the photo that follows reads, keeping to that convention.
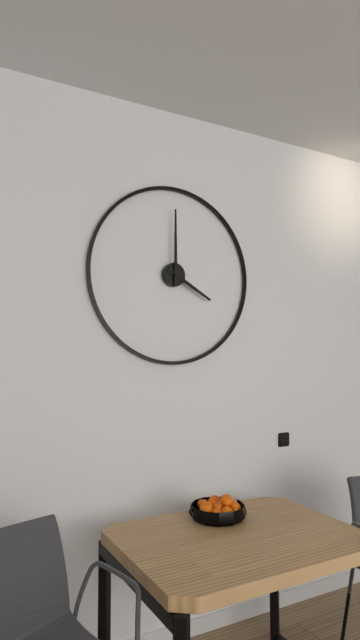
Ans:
4 h 00 min
